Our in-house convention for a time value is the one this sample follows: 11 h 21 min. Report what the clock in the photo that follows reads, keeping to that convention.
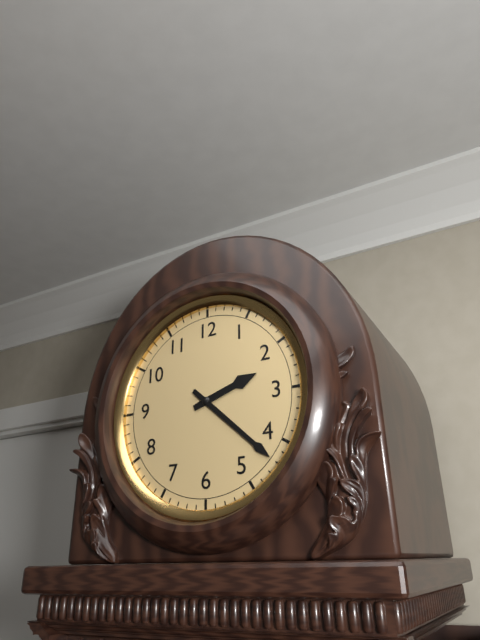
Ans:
2 h 22 min
